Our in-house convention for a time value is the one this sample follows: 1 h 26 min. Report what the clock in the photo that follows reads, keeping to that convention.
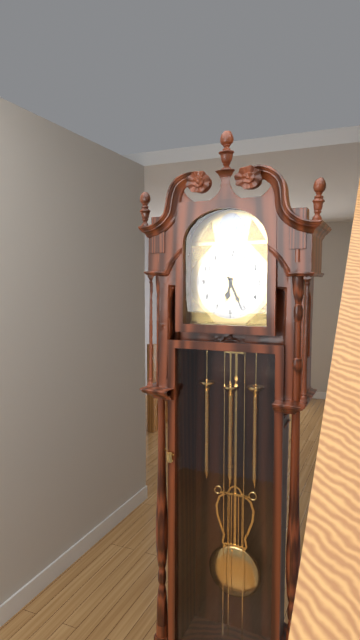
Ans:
6 h 26 min
